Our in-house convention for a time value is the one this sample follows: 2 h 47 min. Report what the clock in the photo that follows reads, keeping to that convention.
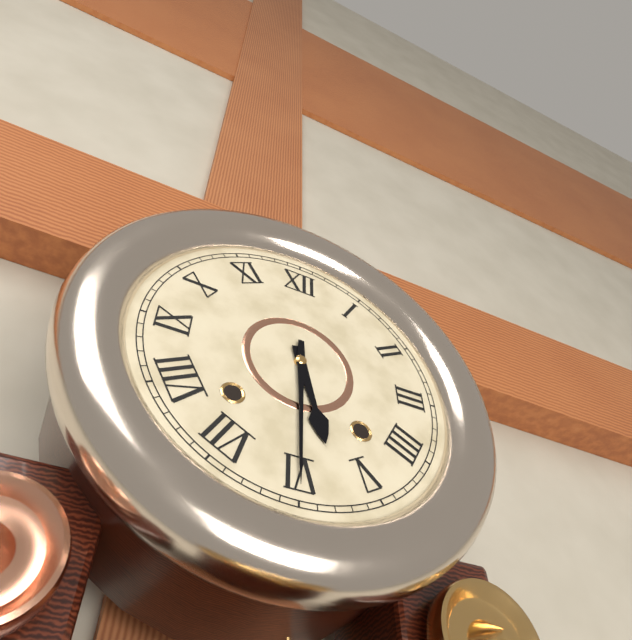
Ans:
5 h 30 min
